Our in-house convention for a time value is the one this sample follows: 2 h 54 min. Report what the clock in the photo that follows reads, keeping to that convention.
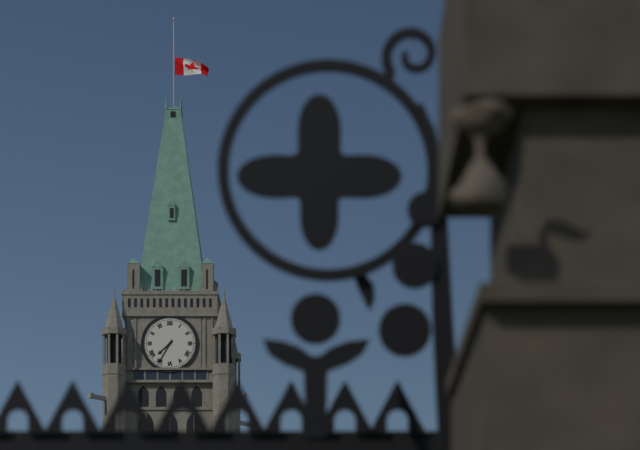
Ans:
7 h 35 min
